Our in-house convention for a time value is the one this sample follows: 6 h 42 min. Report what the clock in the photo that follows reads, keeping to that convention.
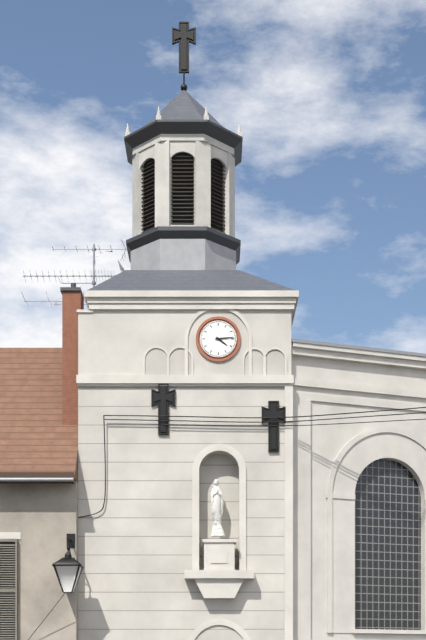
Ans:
4 h 14 min
